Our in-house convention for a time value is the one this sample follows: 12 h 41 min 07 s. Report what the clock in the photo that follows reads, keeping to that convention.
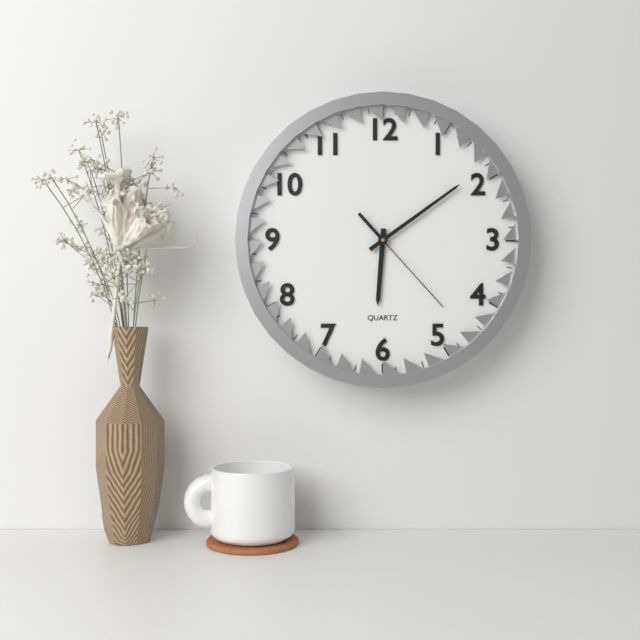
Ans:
6 h 09 min 23 s
